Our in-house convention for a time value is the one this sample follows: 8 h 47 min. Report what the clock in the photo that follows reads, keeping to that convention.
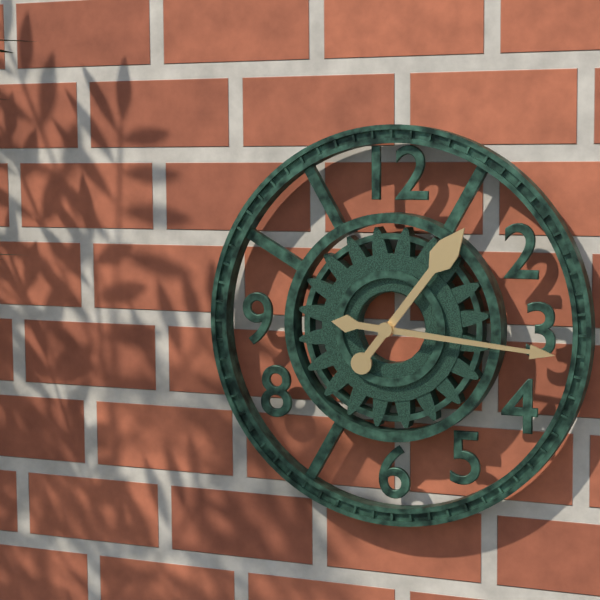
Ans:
1 h 16 min
